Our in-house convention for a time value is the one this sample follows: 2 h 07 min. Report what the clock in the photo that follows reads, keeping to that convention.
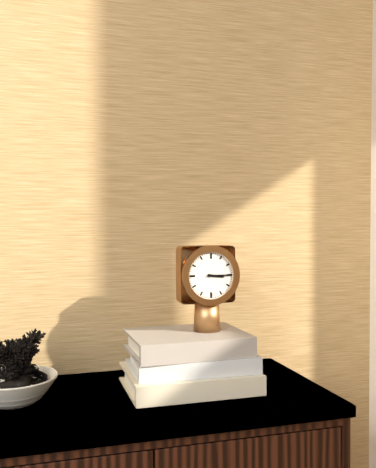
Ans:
3 h 15 min
